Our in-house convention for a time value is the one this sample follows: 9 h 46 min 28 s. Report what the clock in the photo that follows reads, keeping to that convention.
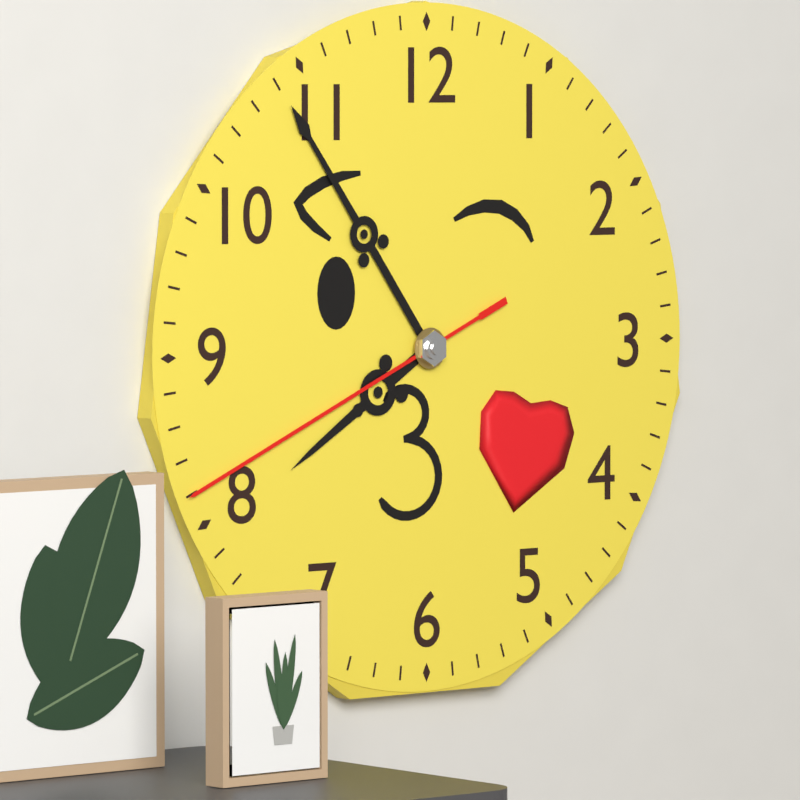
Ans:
7 h 54 min 41 s
